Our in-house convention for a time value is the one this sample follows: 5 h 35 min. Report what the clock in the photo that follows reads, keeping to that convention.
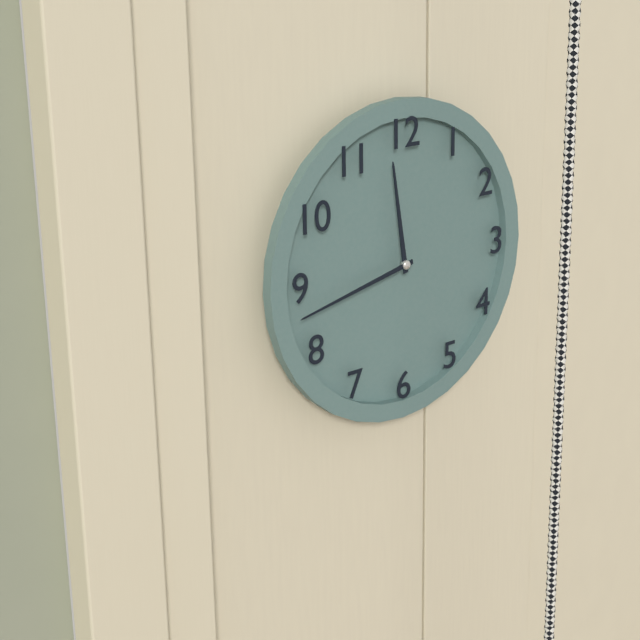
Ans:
11 h 43 min
